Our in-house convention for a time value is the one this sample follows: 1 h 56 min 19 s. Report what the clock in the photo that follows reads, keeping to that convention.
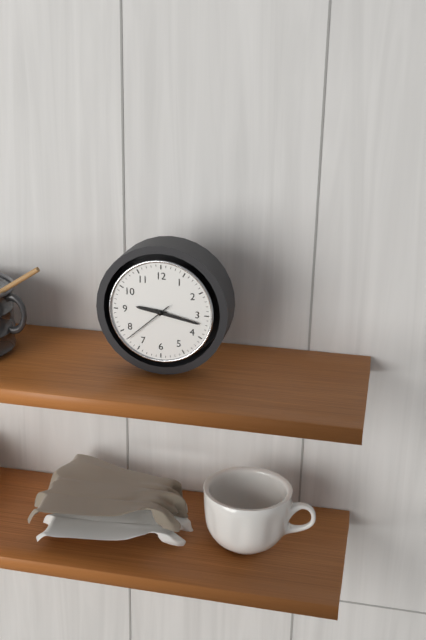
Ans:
9 h 17 min 38 s
